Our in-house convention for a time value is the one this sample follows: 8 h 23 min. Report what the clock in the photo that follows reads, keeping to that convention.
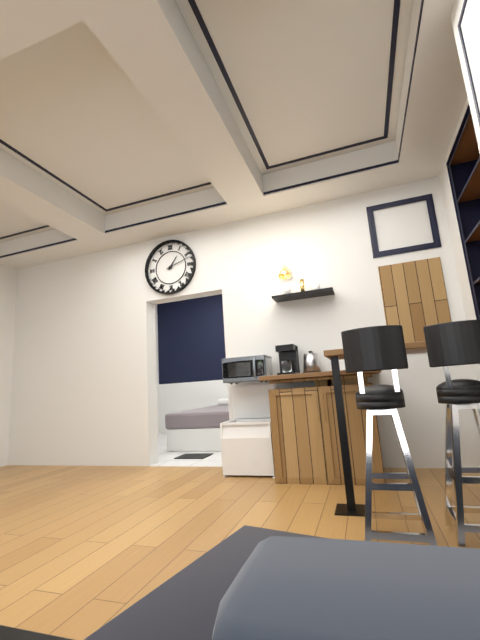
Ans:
1 h 12 min
